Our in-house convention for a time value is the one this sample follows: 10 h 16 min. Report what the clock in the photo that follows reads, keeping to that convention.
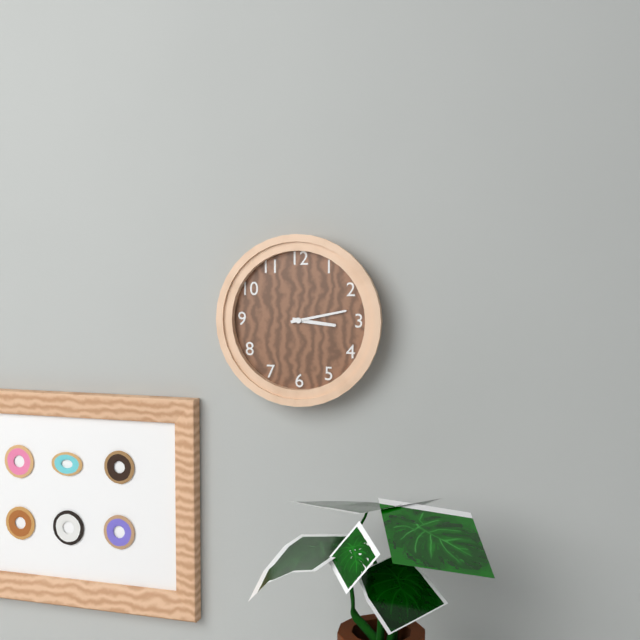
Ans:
3 h 13 min
